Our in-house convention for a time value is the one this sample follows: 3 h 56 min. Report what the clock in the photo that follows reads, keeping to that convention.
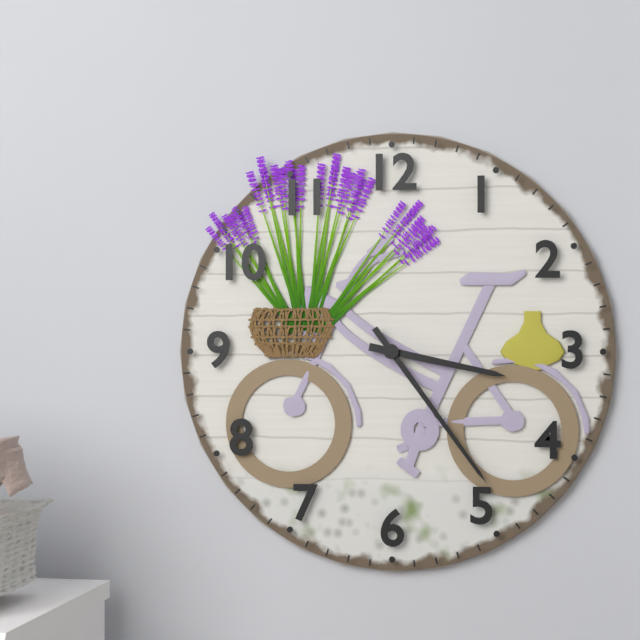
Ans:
3 h 24 min
